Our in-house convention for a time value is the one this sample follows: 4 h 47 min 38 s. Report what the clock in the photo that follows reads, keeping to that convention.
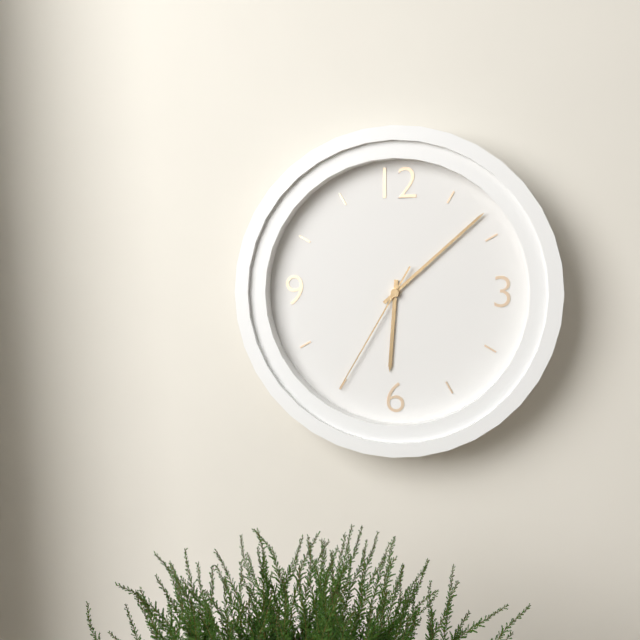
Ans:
6 h 08 min 35 s
